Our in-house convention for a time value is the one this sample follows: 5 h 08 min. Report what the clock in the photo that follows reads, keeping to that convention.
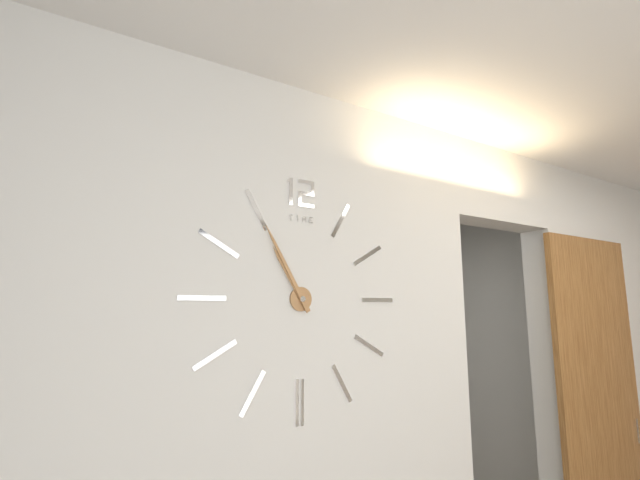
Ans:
10 h 55 min
